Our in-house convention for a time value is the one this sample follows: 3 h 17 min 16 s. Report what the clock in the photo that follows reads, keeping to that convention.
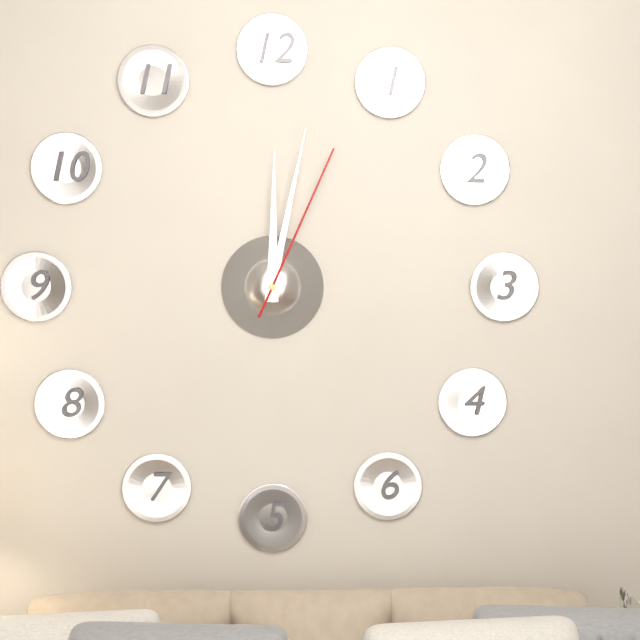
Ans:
12 h 02 min 04 s
